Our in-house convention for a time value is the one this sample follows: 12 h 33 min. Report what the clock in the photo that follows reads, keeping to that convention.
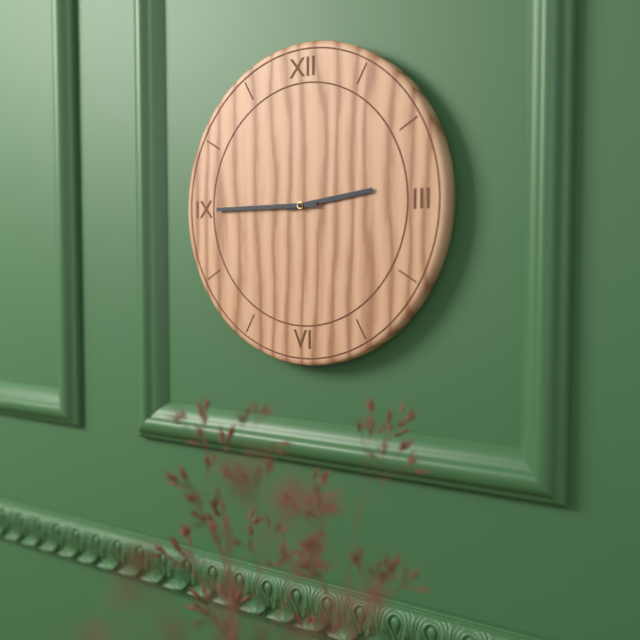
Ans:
2 h 45 min
